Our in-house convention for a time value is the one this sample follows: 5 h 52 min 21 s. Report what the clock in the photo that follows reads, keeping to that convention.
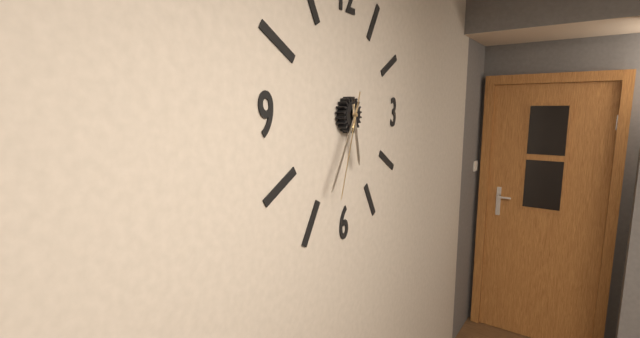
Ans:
5 h 35 min 33 s
